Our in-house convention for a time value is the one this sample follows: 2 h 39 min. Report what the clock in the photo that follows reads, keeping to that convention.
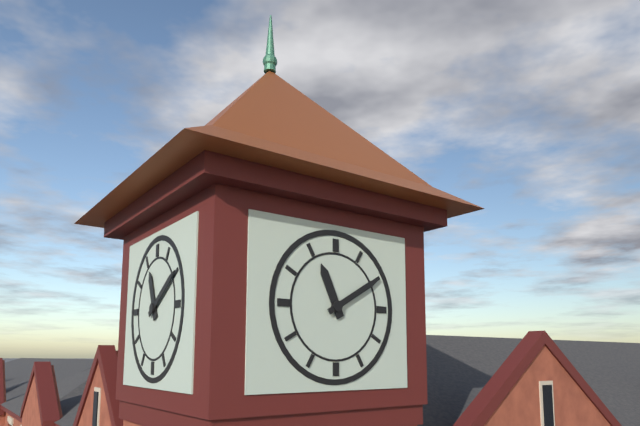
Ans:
11 h 10 min
